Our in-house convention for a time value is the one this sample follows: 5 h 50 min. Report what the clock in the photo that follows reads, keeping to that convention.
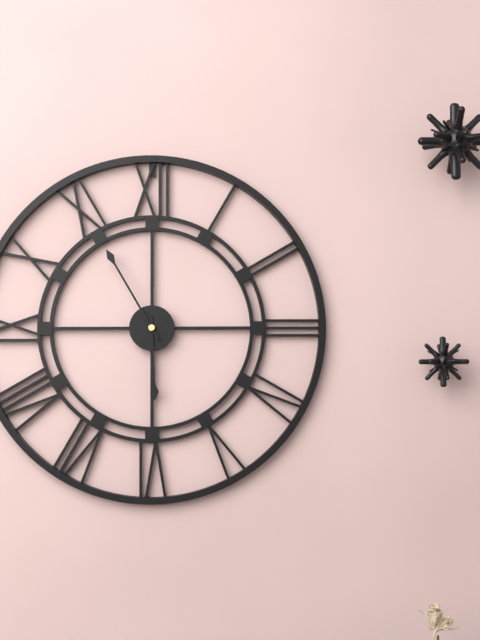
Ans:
5 h 55 min
